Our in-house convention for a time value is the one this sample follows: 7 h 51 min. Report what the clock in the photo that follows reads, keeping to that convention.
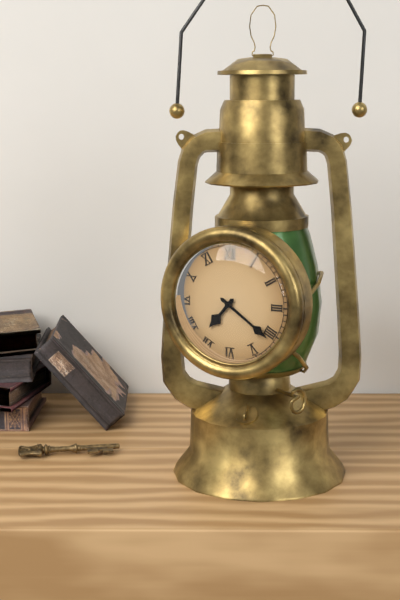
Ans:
7 h 21 min
